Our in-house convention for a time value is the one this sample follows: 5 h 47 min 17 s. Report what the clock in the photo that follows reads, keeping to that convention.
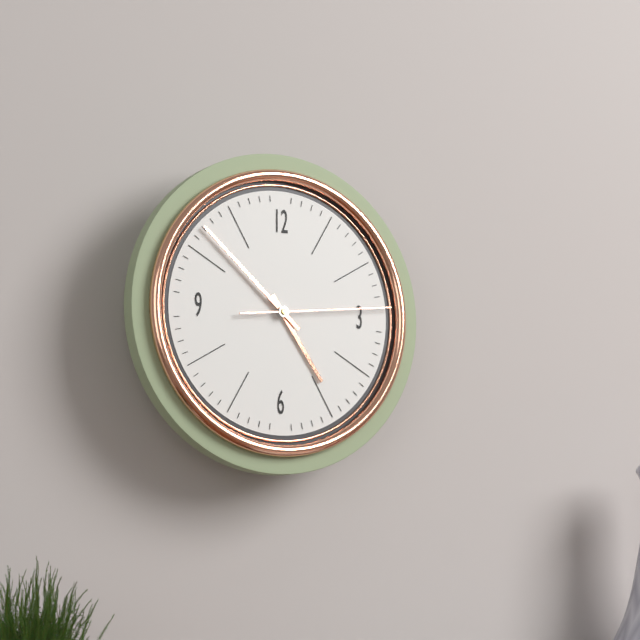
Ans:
4 h 52 min 14 s
